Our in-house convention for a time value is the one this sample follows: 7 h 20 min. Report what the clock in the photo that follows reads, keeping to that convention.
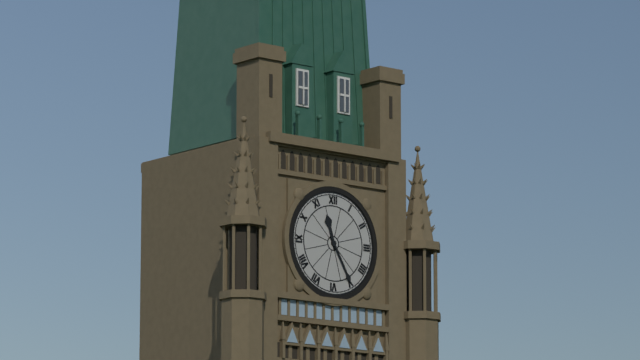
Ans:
11 h 25 min
